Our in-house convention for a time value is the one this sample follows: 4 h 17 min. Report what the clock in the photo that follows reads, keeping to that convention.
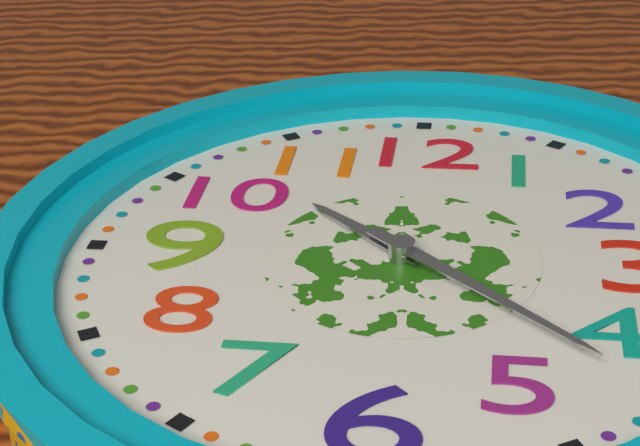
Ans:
10 h 22 min
